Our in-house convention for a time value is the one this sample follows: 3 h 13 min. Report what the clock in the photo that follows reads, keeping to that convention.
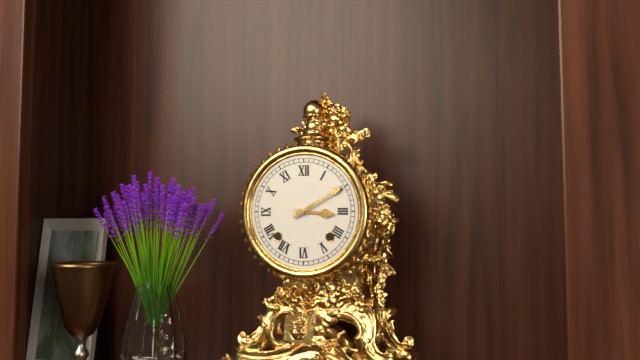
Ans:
3 h 10 min
